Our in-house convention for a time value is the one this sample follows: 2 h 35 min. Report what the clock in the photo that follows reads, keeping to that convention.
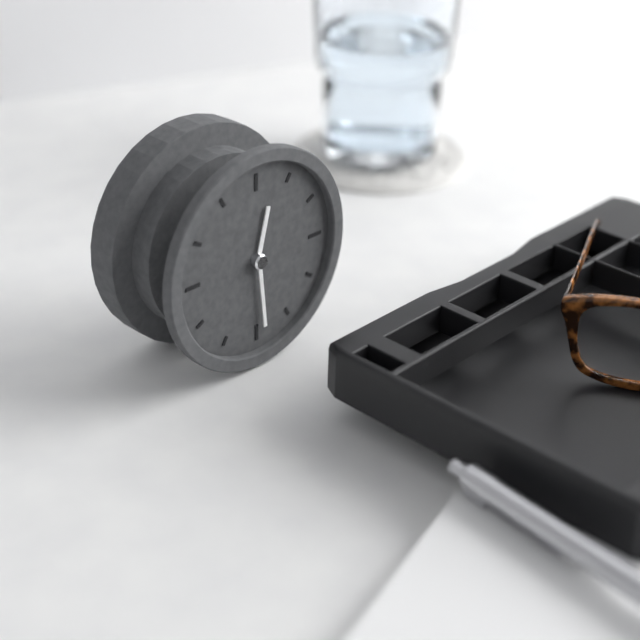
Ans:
12 h 29 min
